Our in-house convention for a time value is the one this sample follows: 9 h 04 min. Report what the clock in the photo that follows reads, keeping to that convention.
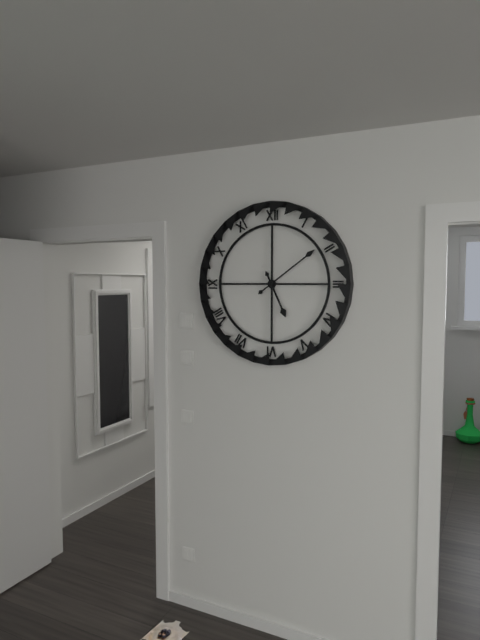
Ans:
5 h 09 min
